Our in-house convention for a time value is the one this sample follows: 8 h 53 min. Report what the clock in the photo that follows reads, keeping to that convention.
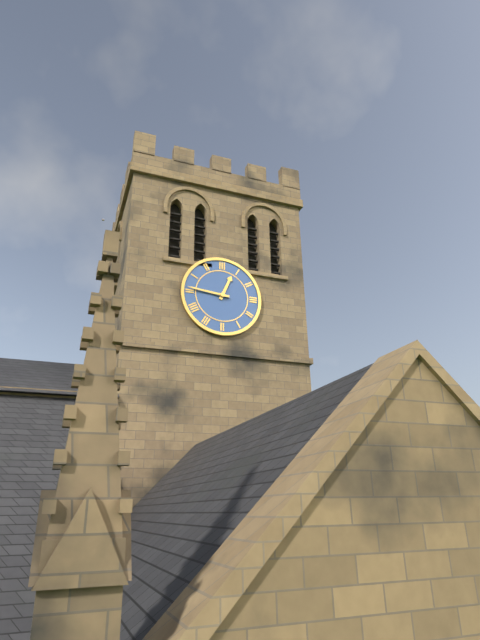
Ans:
12 h 46 min
